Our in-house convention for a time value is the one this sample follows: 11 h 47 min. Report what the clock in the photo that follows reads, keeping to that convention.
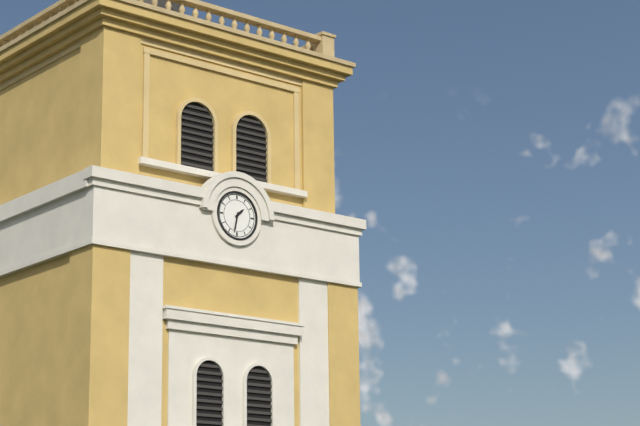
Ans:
1 h 32 min
